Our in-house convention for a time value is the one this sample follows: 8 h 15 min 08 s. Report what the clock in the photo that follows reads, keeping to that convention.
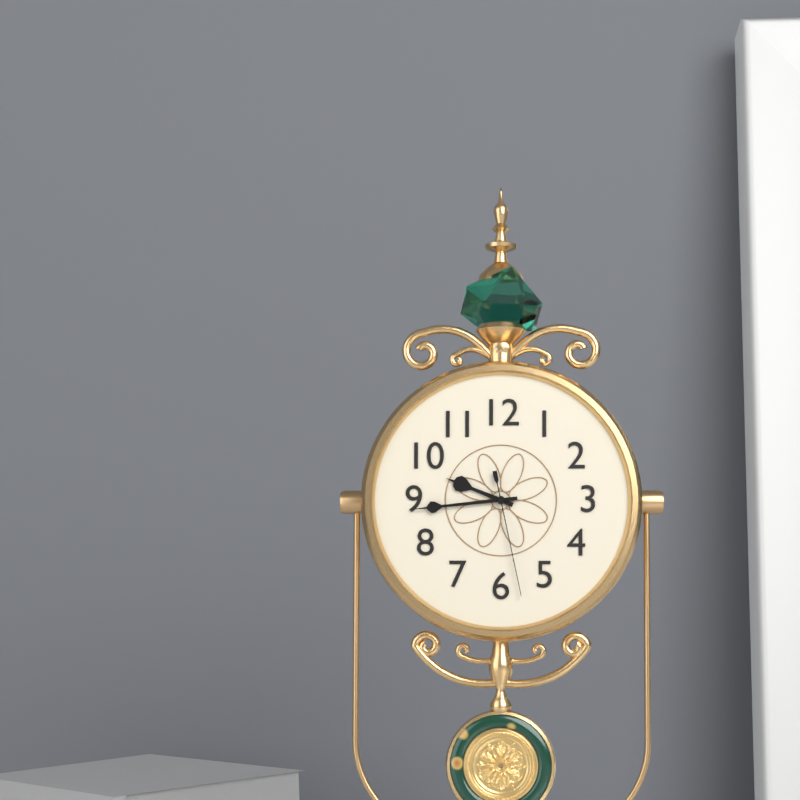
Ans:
9 h 44 min 28 s
